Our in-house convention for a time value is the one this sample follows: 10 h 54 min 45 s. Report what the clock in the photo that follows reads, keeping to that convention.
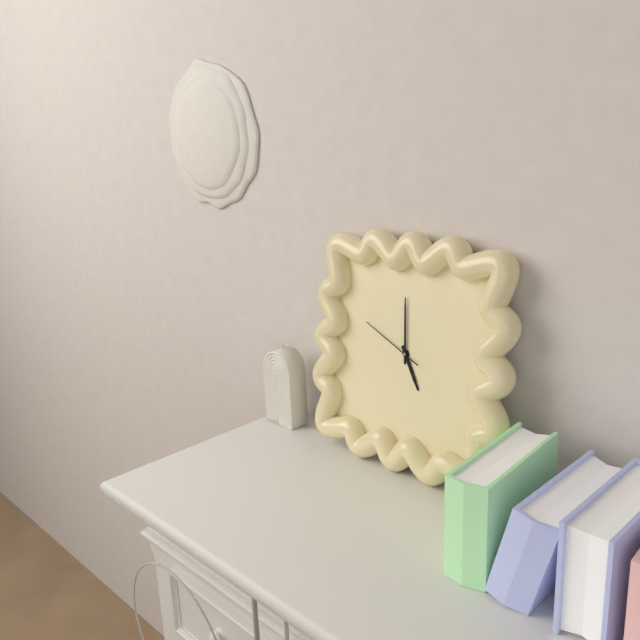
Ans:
4 h 59 min 49 s
